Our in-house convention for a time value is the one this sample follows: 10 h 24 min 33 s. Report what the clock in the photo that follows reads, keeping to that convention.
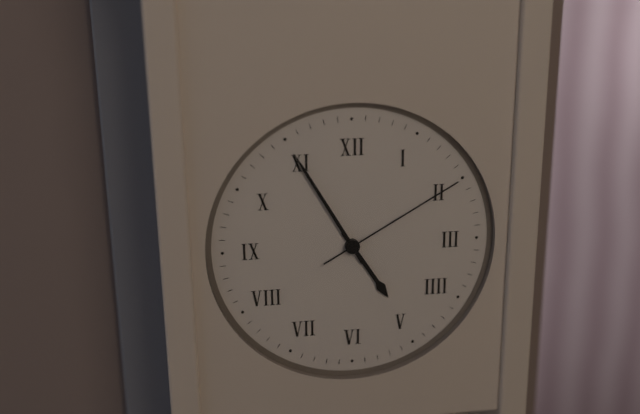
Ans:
4 h 55 min 10 s
